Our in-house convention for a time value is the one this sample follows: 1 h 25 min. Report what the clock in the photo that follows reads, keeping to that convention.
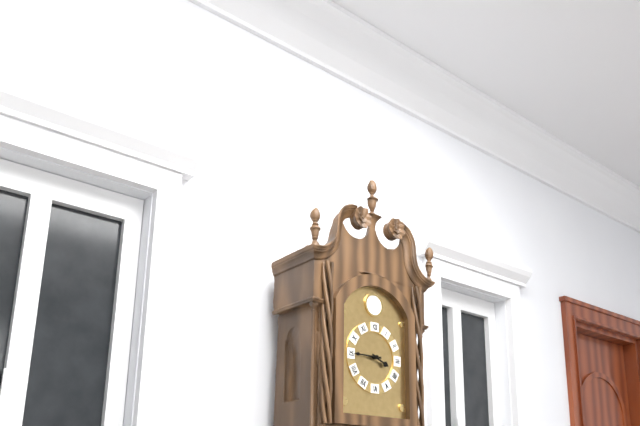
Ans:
3 h 45 min
